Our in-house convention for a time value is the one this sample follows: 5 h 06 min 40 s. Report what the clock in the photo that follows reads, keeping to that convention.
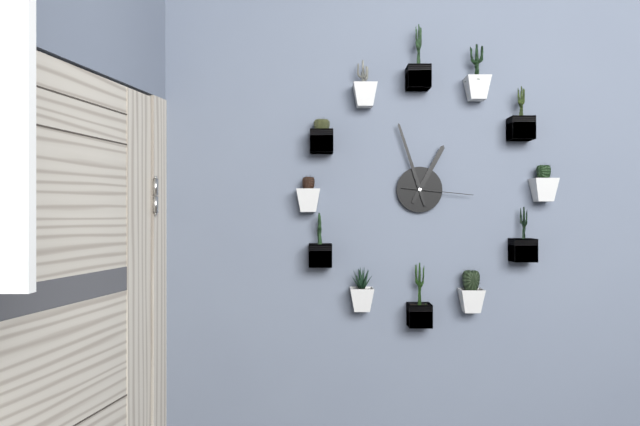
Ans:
12 h 57 min 16 s
